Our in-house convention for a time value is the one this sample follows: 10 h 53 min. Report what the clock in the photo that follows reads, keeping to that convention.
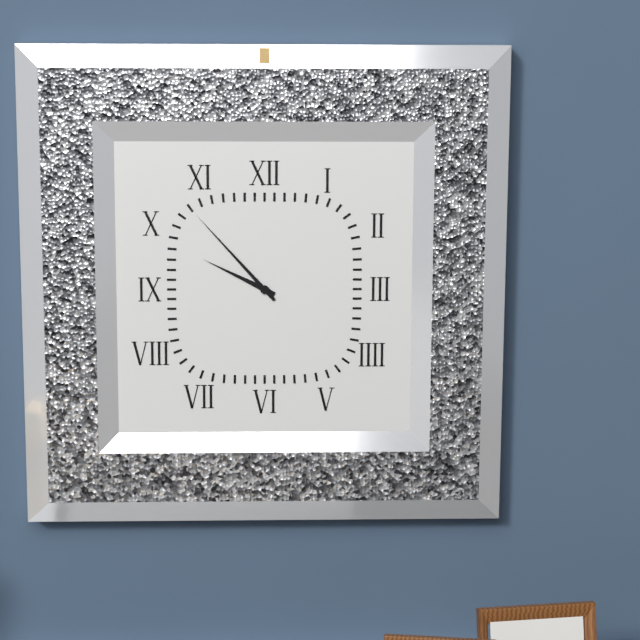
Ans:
9 h 53 min
